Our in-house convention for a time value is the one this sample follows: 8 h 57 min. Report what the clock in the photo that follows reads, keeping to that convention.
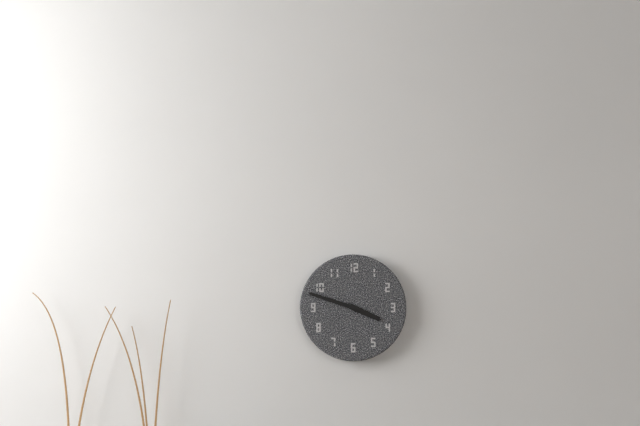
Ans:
3 h 48 min
